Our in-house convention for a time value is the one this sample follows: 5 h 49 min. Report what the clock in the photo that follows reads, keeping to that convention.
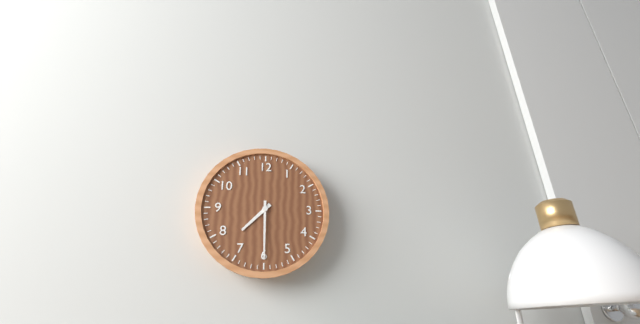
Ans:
7 h 30 min
